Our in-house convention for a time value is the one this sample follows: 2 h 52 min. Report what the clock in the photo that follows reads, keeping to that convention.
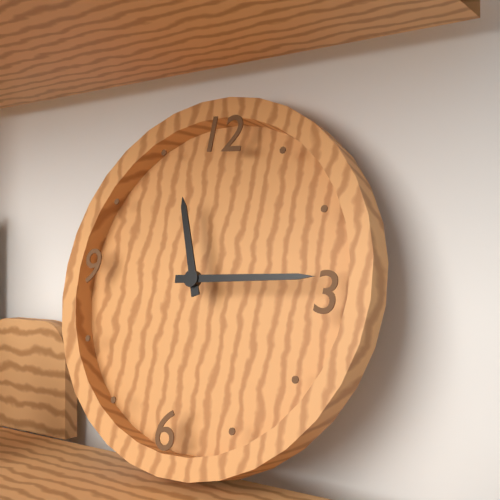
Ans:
11 h 14 min
